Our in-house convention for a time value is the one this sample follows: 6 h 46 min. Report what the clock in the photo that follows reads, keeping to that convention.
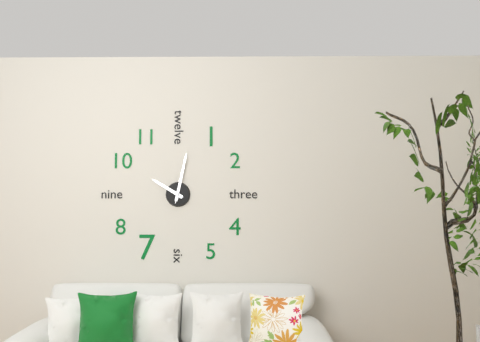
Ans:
10 h 02 min
